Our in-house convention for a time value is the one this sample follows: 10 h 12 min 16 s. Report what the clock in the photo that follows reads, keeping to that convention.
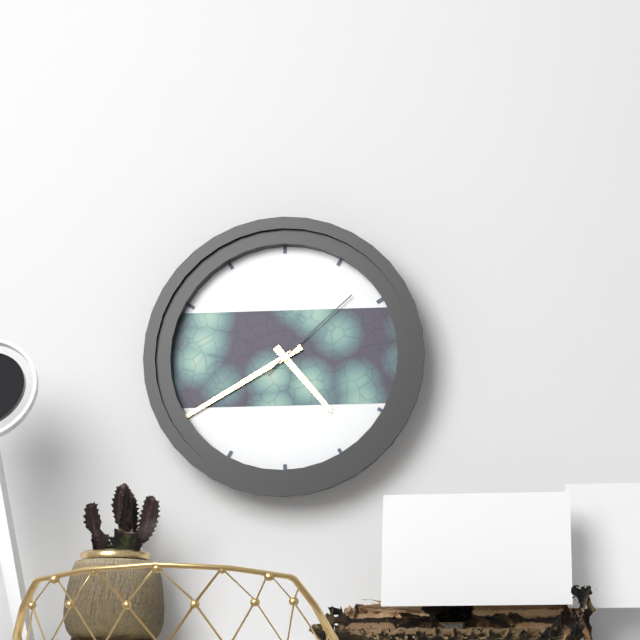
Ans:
4 h 40 min 08 s
